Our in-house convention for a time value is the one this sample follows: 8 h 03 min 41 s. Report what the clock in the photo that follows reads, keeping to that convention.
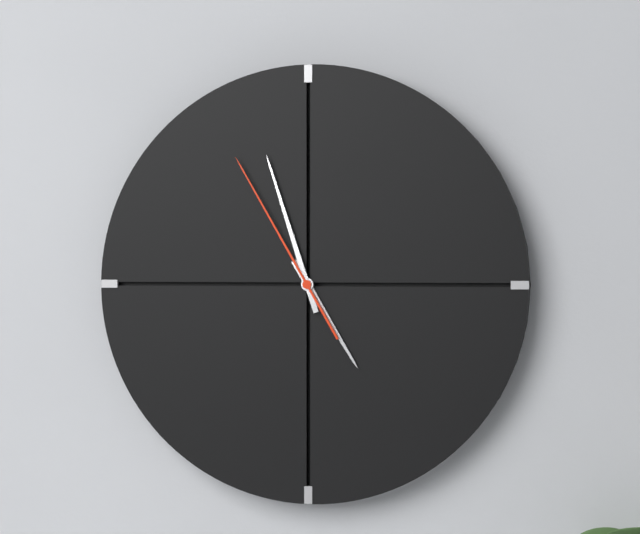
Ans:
4 h 57 min 55 s
